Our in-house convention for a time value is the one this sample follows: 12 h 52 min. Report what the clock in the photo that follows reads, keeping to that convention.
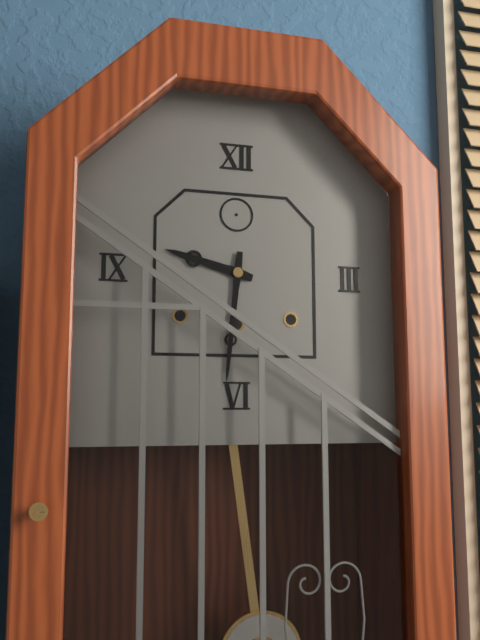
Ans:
9 h 31 min
